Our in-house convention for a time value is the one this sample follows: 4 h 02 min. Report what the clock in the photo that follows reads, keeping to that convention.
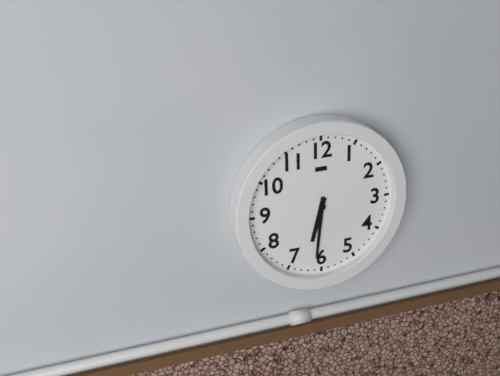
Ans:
6 h 31 min
